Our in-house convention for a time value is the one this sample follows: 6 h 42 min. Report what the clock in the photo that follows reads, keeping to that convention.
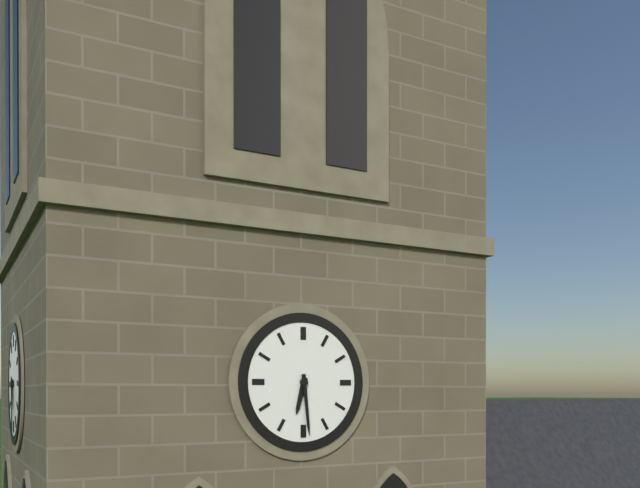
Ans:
6 h 29 min
